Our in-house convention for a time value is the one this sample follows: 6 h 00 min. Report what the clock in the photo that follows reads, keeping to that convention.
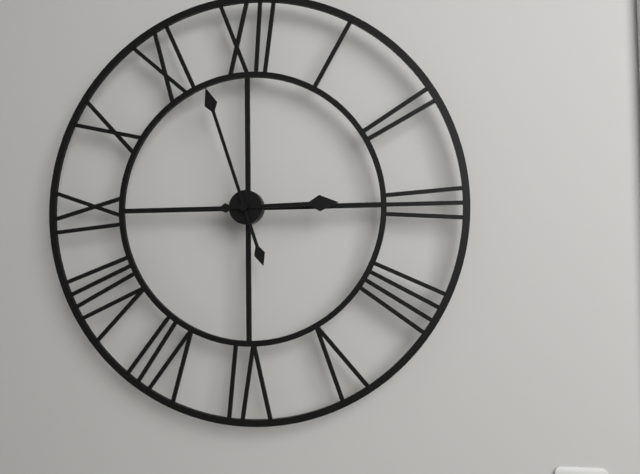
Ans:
2 h 57 min
